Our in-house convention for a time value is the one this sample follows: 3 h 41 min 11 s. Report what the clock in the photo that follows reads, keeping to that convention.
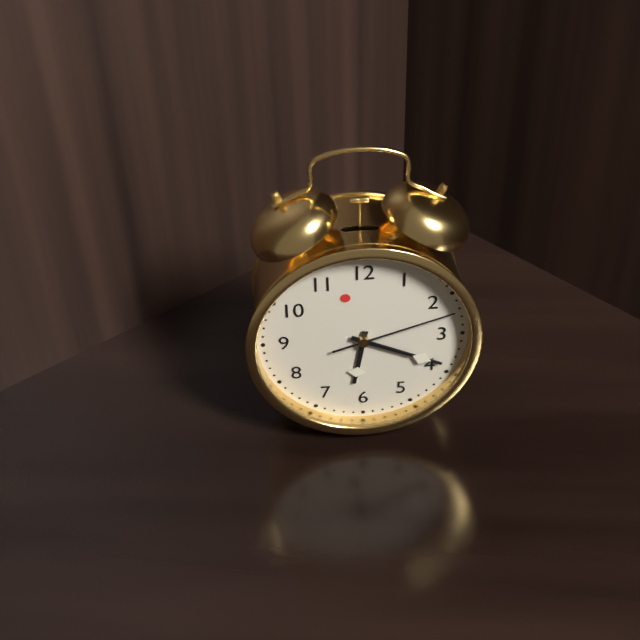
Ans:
6 h 19 min 12 s
